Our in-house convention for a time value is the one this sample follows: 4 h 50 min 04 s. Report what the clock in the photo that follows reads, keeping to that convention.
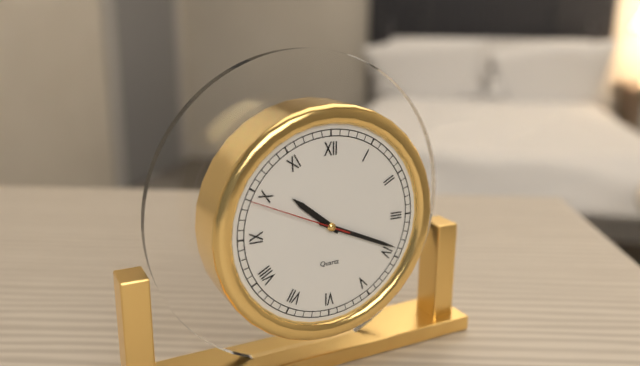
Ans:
10 h 19 min 49 s
